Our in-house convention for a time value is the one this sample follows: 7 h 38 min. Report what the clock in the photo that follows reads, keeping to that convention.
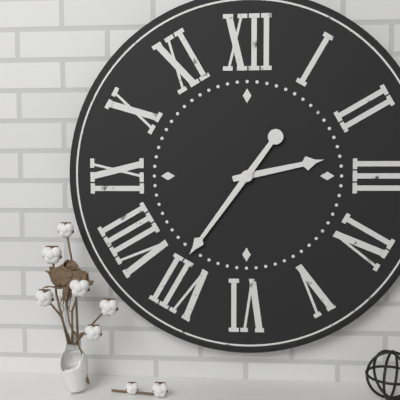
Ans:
2 h 36 min
